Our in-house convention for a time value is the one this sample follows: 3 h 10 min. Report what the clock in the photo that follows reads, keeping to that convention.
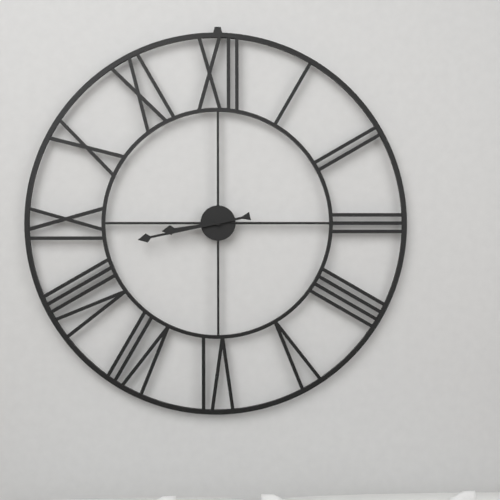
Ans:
8 h 43 min
